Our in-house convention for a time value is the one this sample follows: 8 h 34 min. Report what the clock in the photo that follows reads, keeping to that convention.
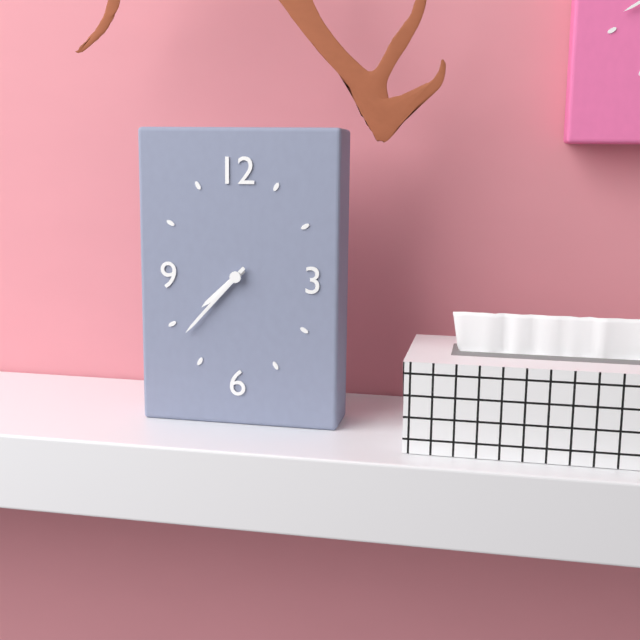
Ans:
7 h 37 min
